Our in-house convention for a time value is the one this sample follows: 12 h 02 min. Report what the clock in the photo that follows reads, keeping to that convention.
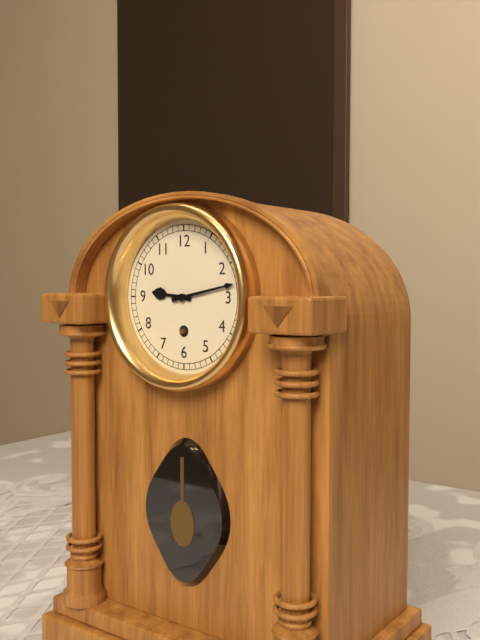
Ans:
9 h 13 min
